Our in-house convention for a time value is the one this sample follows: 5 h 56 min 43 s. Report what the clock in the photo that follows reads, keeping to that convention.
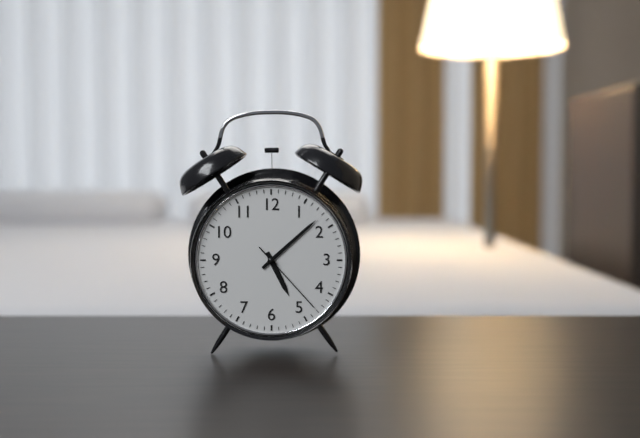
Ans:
5 h 08 min 23 s
